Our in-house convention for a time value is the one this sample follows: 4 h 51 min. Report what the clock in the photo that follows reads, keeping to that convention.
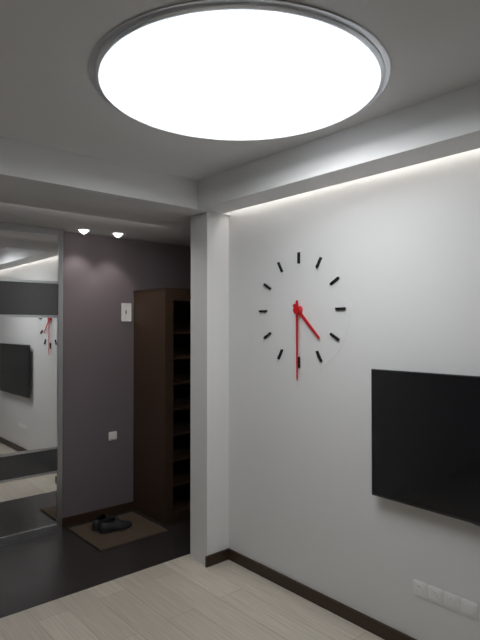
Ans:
4 h 30 min
